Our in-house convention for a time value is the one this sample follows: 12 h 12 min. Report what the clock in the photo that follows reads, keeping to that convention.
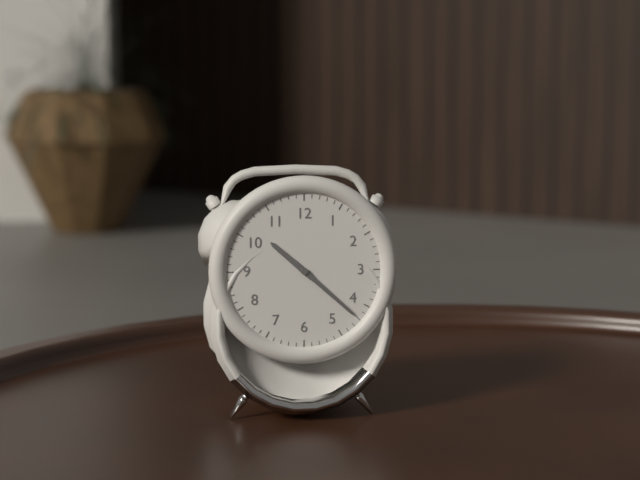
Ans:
10 h 22 min
